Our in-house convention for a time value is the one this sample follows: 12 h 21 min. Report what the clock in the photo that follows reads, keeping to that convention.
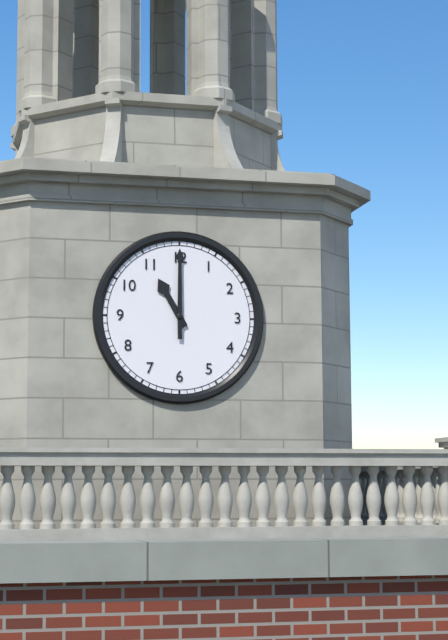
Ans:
11 h 00 min
